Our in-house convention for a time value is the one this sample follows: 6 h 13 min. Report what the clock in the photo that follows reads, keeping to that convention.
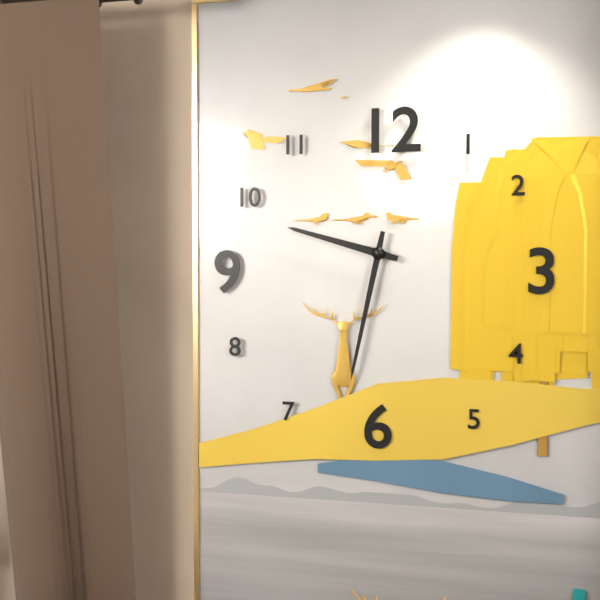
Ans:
9 h 32 min
